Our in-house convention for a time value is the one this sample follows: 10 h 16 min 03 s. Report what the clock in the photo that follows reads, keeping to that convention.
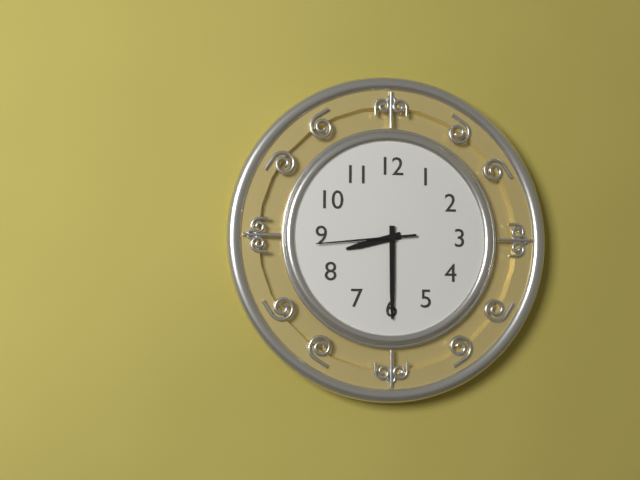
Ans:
8 h 30 min 44 s
